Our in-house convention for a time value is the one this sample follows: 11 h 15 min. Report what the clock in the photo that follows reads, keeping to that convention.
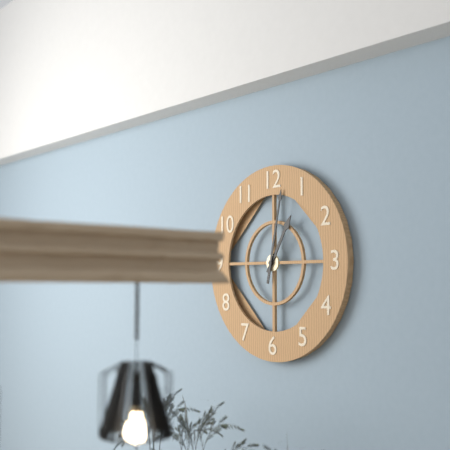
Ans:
1 h 02 min
